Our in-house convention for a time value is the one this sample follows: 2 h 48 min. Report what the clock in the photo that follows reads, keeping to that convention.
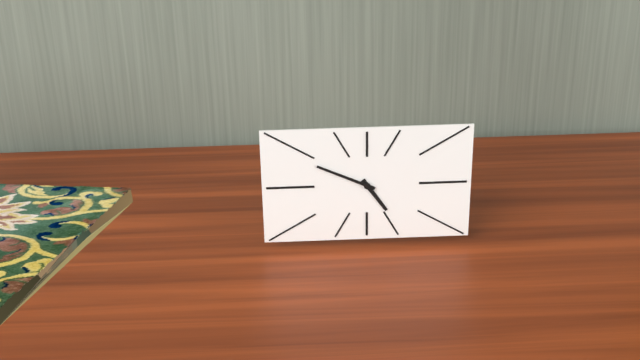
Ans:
4 h 49 min
